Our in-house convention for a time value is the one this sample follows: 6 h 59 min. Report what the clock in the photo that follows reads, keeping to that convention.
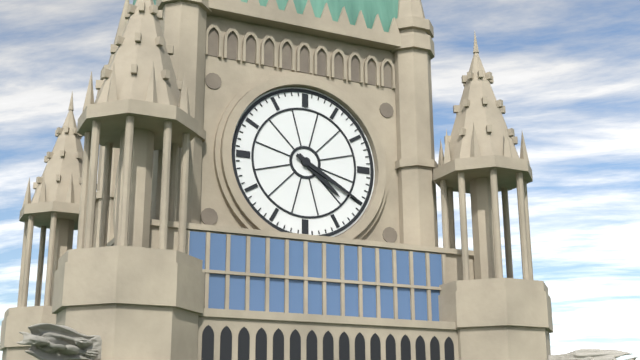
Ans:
4 h 20 min
